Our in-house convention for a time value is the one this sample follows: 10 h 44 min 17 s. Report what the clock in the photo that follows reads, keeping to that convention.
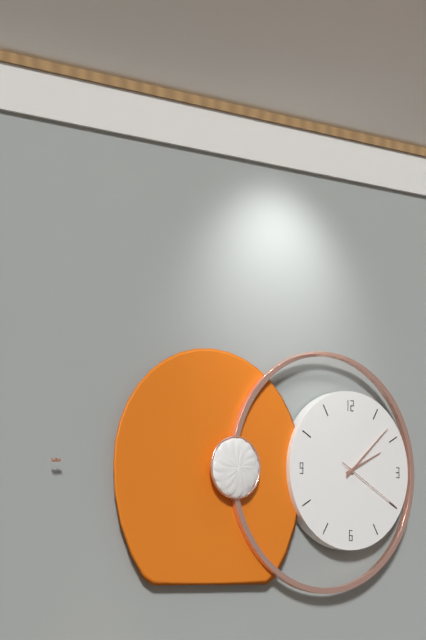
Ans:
2 h 08 min 20 s
